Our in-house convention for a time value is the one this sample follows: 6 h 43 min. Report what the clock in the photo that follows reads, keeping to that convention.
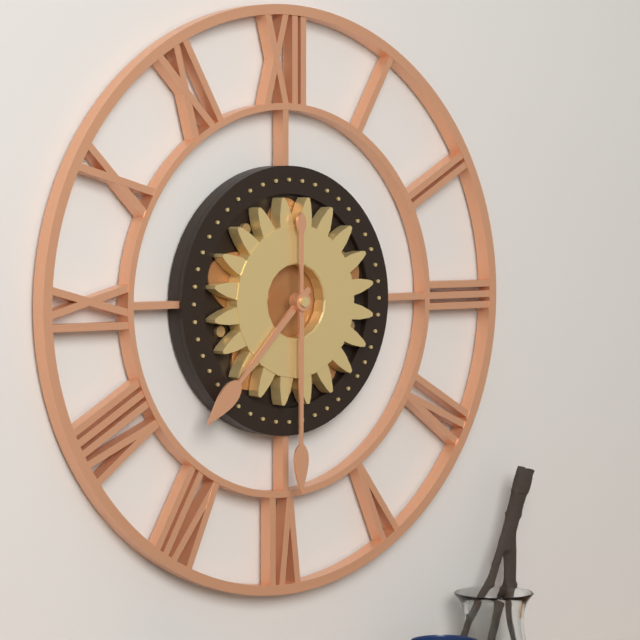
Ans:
7 h 30 min
